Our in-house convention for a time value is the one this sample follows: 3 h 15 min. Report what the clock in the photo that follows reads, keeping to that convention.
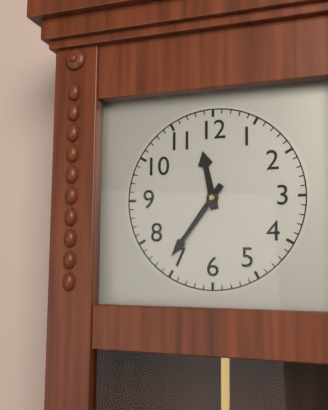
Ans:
11 h 36 min
